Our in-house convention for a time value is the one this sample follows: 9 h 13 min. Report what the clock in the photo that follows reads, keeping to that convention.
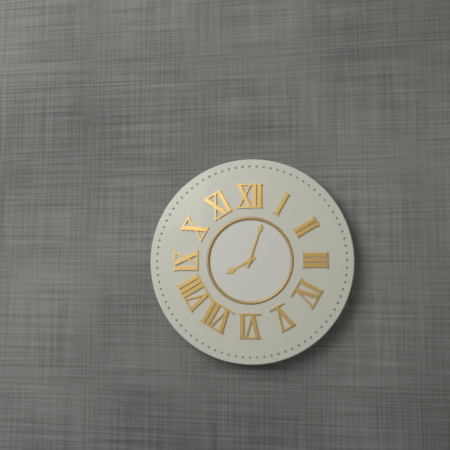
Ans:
8 h 03 min
